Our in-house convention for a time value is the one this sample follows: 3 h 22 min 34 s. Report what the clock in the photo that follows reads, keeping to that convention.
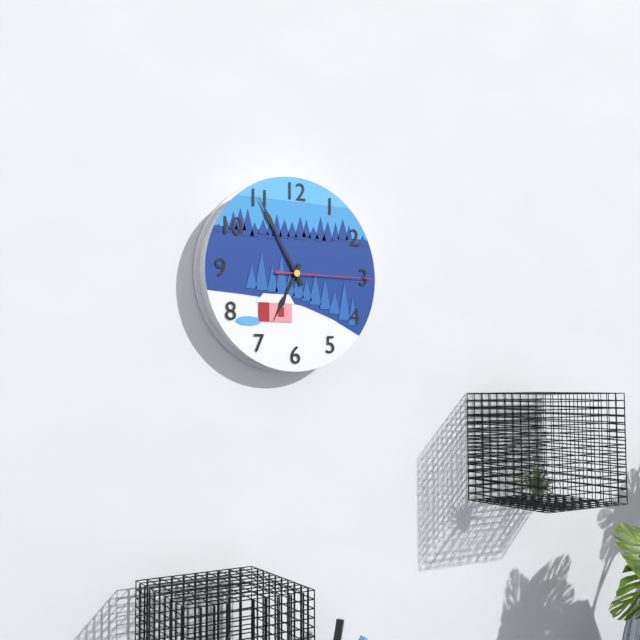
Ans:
6 h 55 min 15 s
